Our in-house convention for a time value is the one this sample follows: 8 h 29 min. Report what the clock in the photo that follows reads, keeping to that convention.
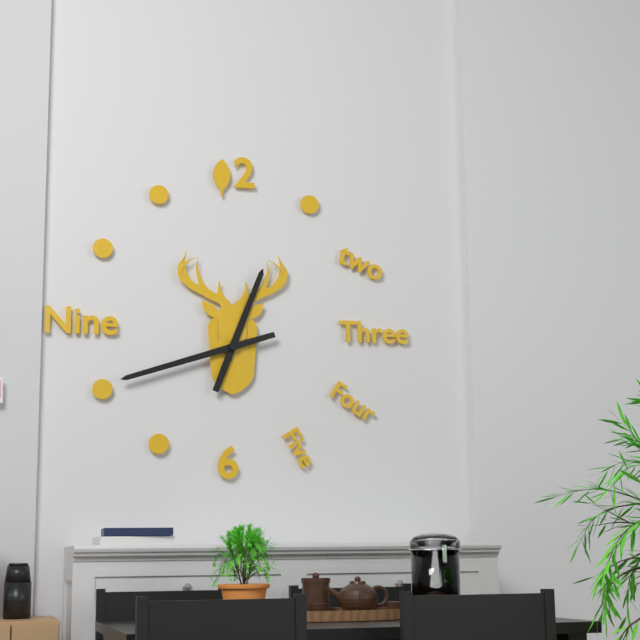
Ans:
12 h 42 min
